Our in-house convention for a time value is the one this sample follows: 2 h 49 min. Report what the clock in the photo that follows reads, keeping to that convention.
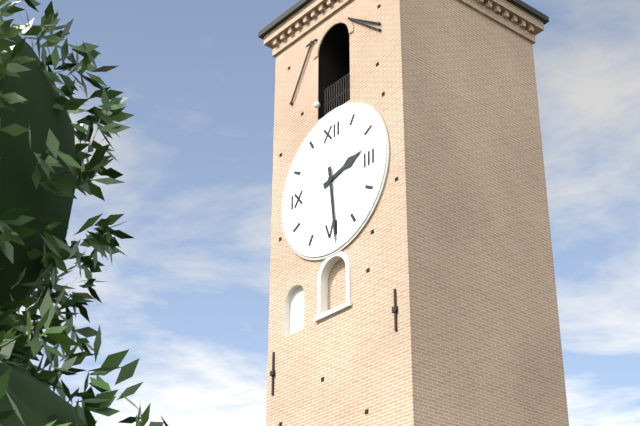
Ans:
2 h 29 min
